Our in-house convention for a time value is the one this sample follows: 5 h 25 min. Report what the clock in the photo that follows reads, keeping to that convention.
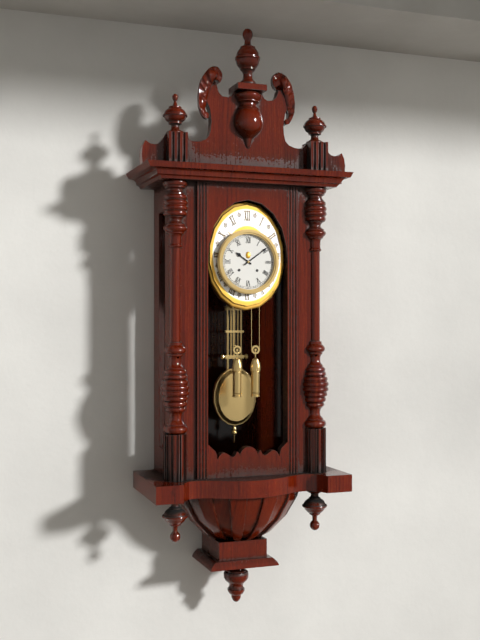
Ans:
10 h 09 min
